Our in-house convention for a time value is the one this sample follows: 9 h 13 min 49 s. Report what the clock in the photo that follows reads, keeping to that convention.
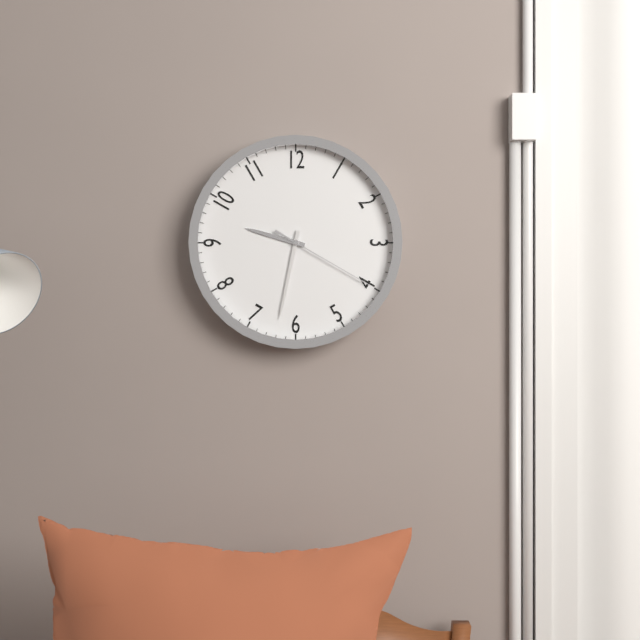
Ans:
9 h 32 min 20 s
